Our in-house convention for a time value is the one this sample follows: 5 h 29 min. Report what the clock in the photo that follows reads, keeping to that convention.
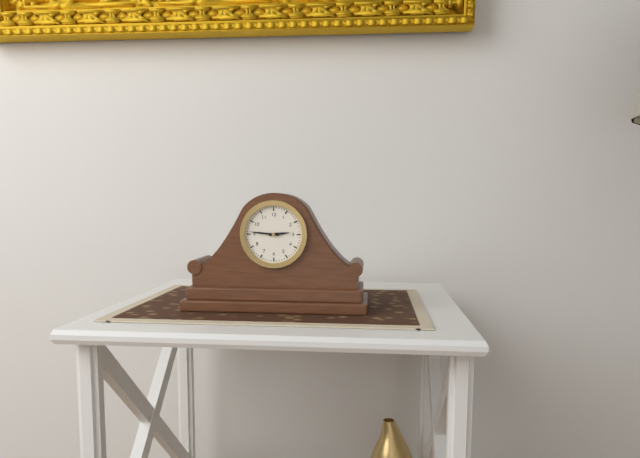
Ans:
2 h 46 min
